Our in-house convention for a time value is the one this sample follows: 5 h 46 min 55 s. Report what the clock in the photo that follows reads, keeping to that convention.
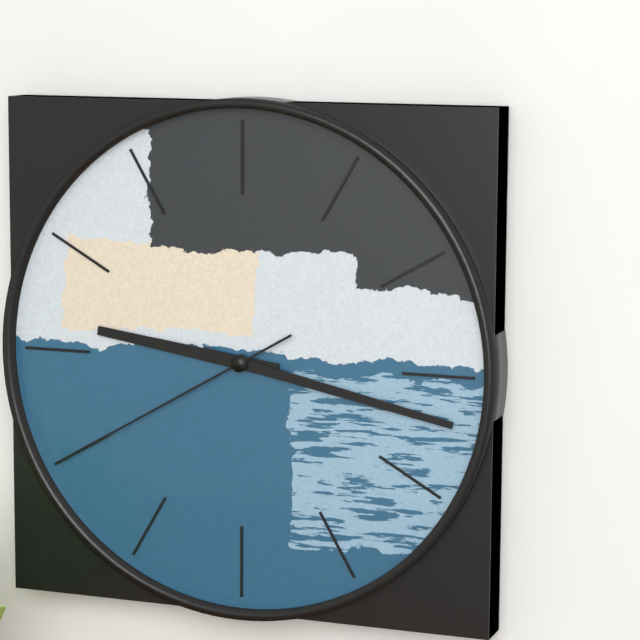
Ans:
9 h 17 min 40 s
